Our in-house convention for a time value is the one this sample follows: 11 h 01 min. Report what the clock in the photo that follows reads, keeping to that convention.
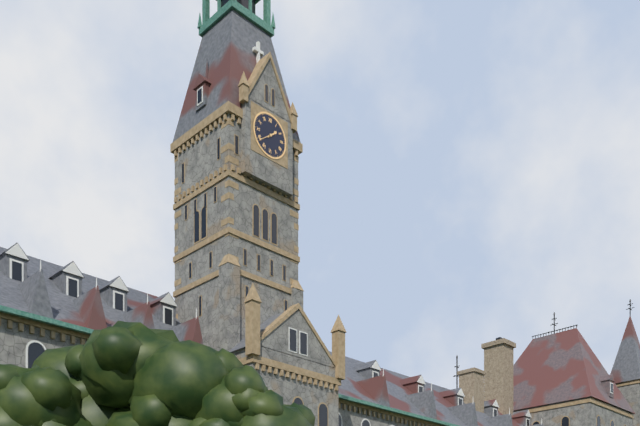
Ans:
1 h 39 min
